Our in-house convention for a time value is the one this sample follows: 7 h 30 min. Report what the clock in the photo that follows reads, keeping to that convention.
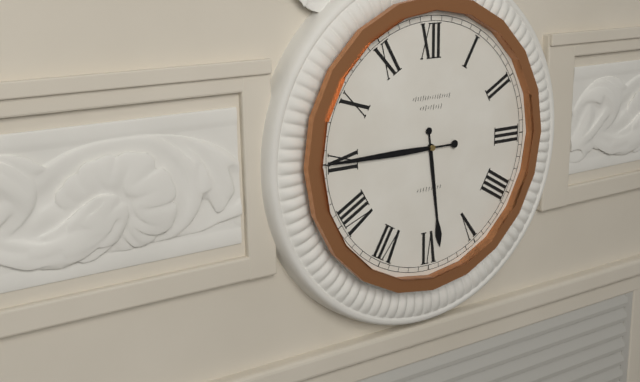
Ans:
5 h 45 min
